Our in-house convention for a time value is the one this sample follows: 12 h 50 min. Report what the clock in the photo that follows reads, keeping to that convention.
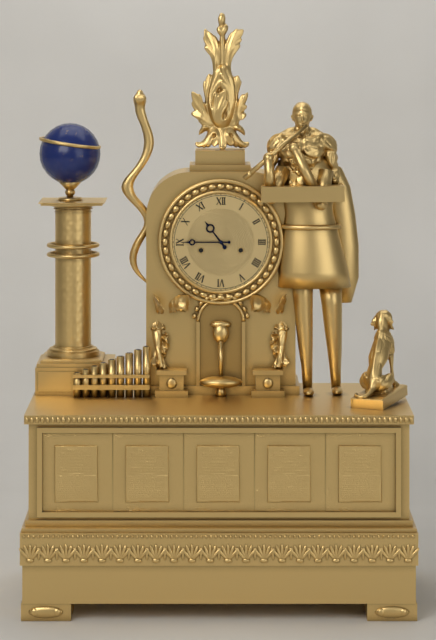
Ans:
10 h 45 min
